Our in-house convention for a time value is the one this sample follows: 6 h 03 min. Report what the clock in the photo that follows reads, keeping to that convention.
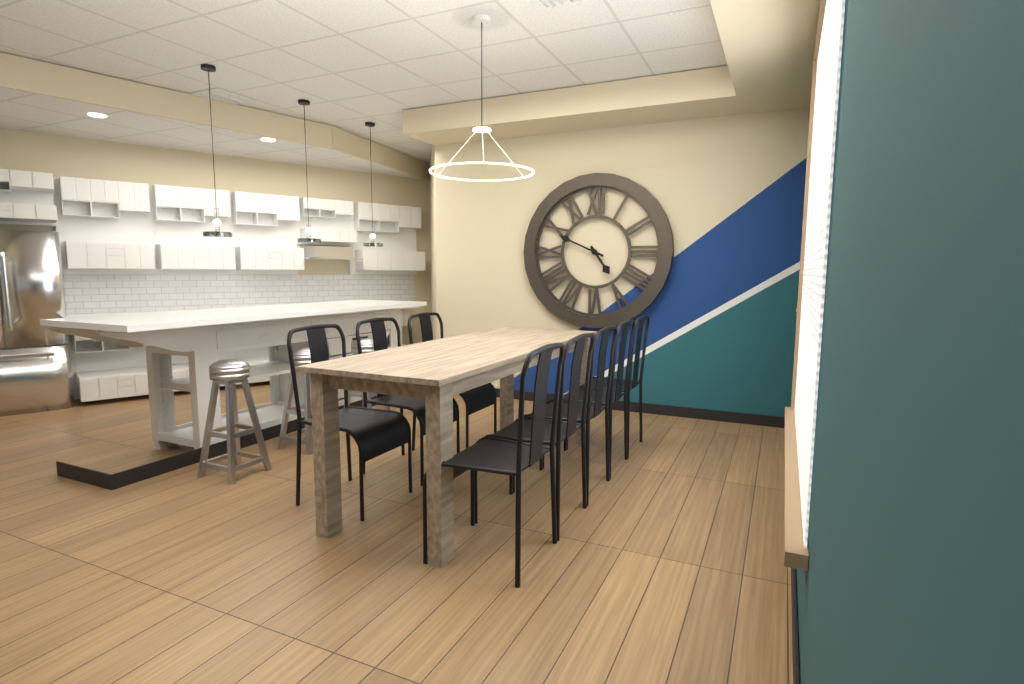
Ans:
4 h 49 min
